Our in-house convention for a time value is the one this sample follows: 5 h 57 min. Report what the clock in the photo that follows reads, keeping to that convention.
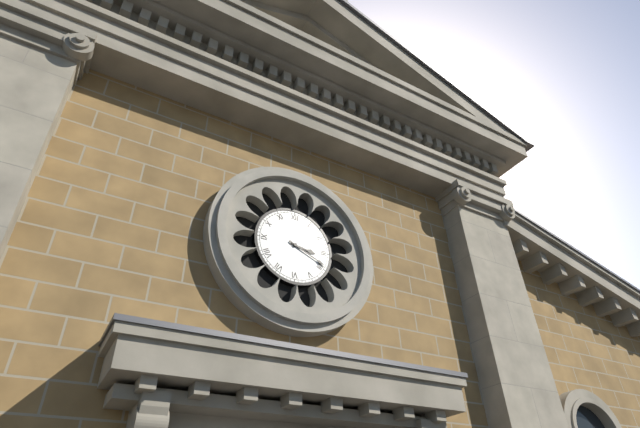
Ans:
3 h 19 min
